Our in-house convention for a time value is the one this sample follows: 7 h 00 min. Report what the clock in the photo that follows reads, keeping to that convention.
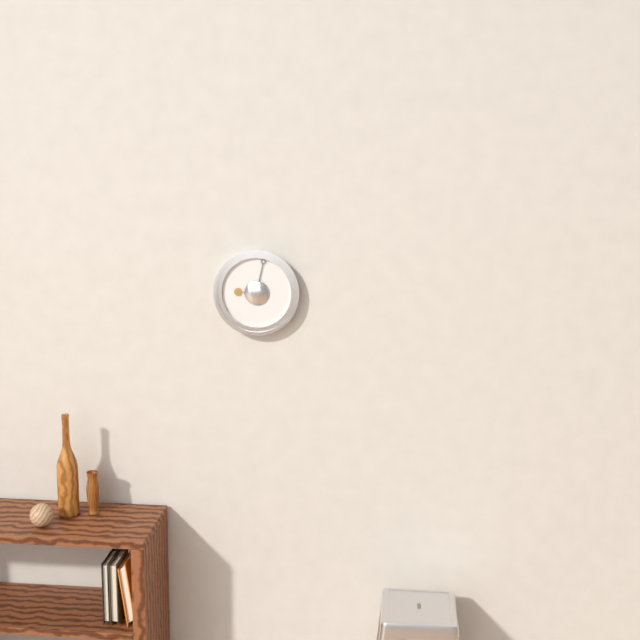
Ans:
9 h 02 min
